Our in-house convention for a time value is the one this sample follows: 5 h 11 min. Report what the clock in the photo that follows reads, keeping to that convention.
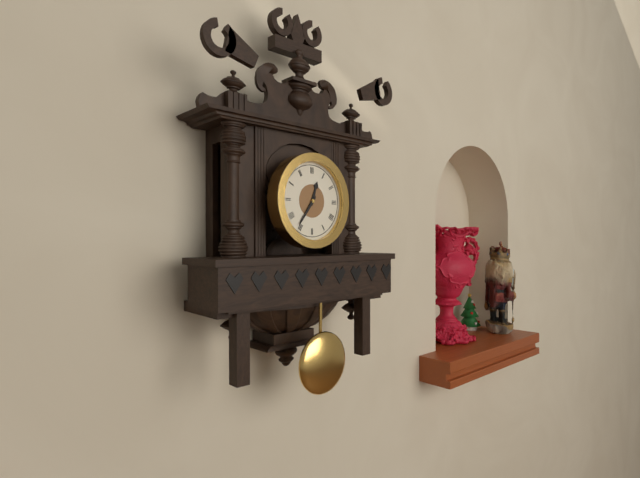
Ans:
12 h 36 min
